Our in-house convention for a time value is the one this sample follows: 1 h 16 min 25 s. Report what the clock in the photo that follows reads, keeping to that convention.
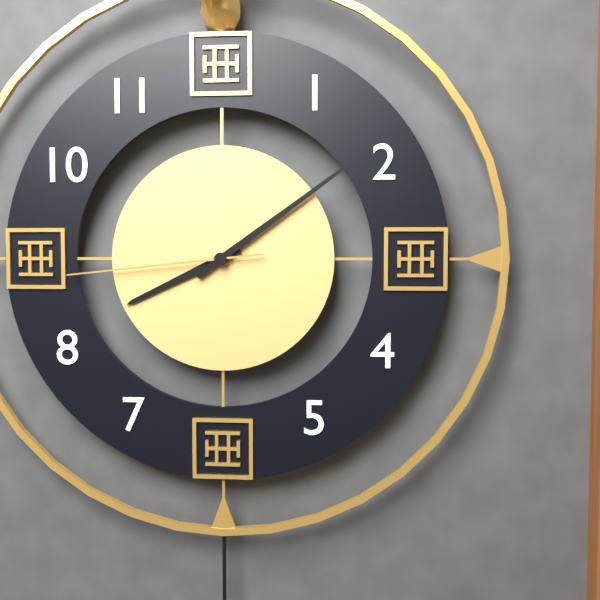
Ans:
8 h 09 min 44 s
